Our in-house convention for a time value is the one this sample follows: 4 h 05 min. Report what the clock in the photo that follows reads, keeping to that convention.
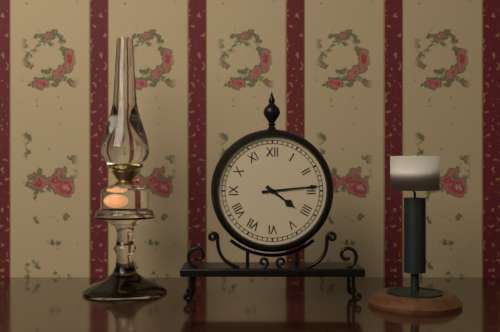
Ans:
4 h 14 min
